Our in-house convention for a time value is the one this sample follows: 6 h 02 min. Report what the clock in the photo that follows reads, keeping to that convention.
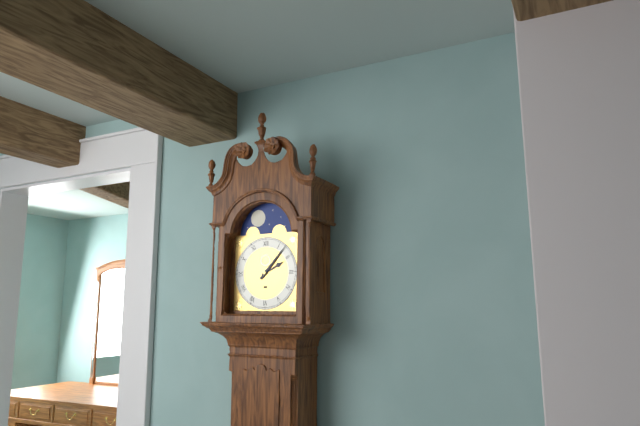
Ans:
2 h 07 min
